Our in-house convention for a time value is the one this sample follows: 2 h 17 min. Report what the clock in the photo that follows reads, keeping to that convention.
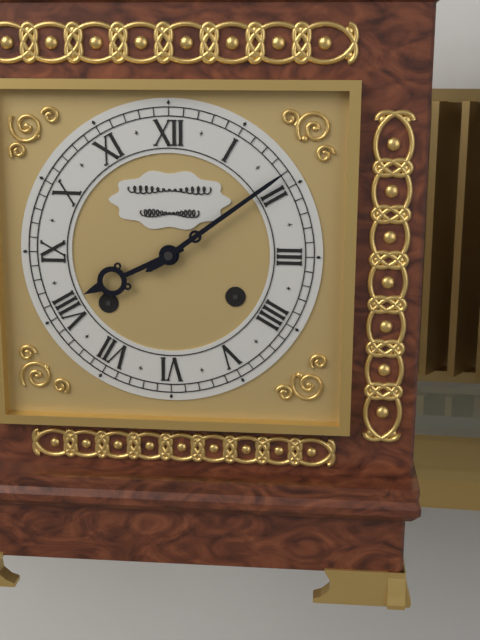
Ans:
8 h 09 min
